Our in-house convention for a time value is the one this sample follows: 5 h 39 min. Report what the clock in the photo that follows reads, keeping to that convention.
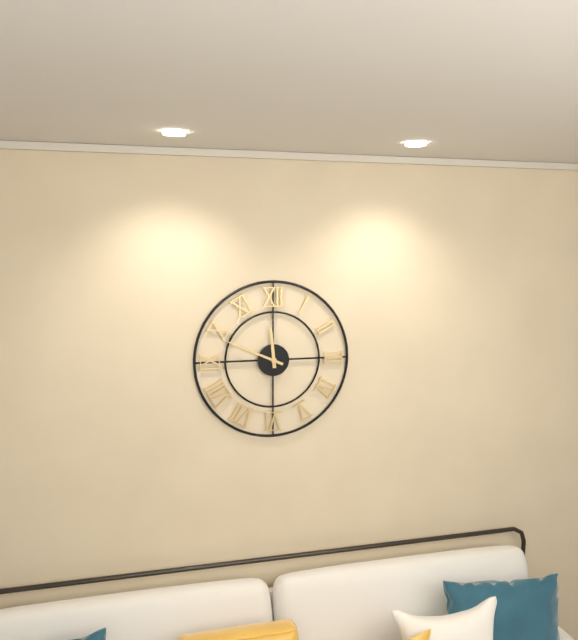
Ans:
11 h 49 min
